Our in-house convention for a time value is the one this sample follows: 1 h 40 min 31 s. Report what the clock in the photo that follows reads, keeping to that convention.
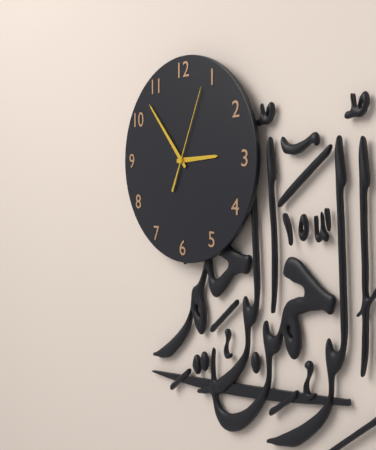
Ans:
2 h 53 min 04 s
